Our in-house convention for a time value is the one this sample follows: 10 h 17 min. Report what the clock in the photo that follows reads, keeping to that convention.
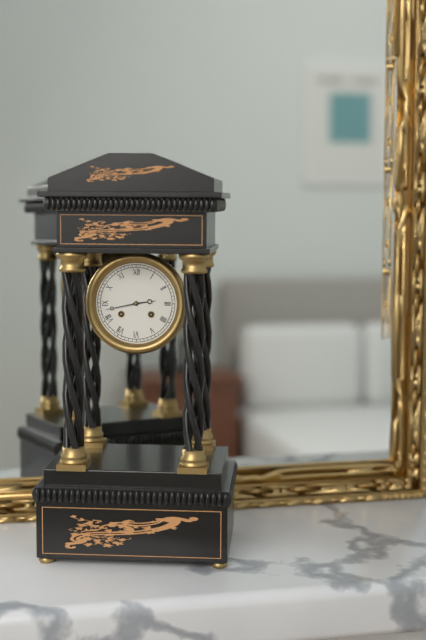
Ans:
2 h 43 min
